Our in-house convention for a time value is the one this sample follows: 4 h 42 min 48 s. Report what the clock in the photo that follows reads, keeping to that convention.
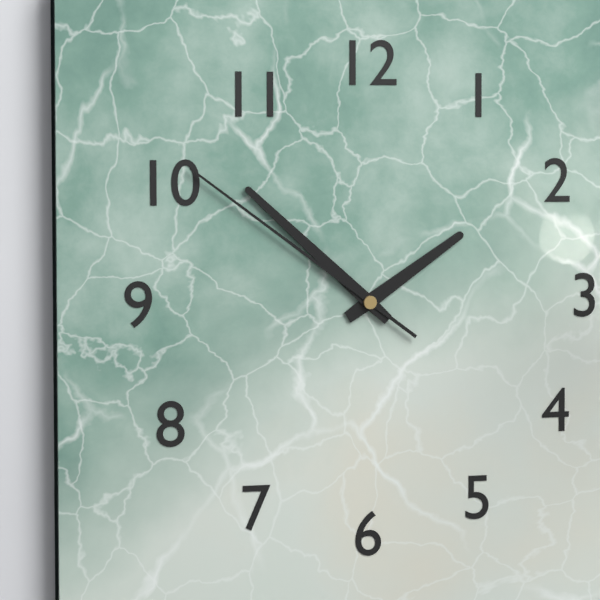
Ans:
1 h 52 min 51 s
